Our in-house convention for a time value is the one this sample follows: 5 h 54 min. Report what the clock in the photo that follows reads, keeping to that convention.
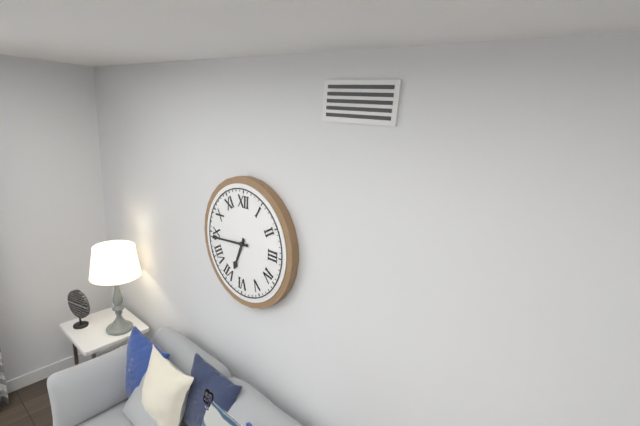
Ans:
6 h 44 min
